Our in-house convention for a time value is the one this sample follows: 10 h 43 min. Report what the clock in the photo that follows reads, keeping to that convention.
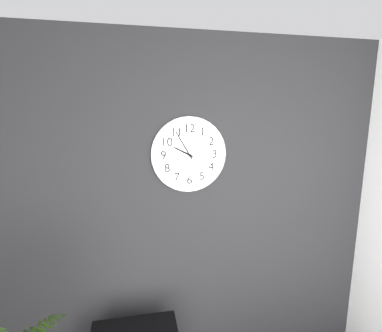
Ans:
9 h 55 min
